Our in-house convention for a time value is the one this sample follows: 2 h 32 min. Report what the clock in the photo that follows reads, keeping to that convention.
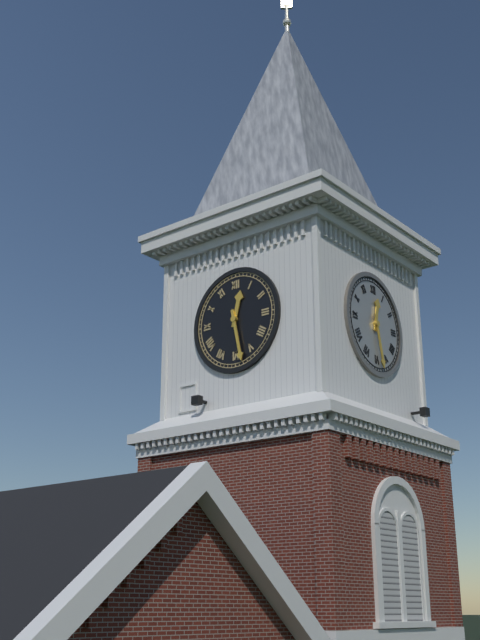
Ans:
12 h 28 min
